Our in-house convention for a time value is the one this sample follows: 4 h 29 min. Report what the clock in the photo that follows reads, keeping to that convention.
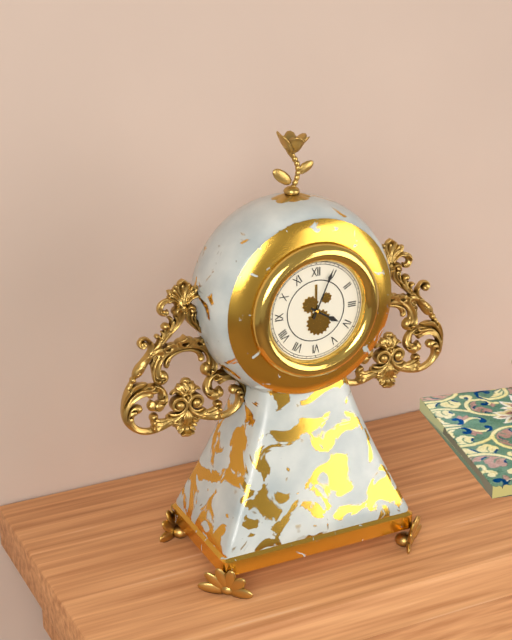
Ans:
4 h 04 min
